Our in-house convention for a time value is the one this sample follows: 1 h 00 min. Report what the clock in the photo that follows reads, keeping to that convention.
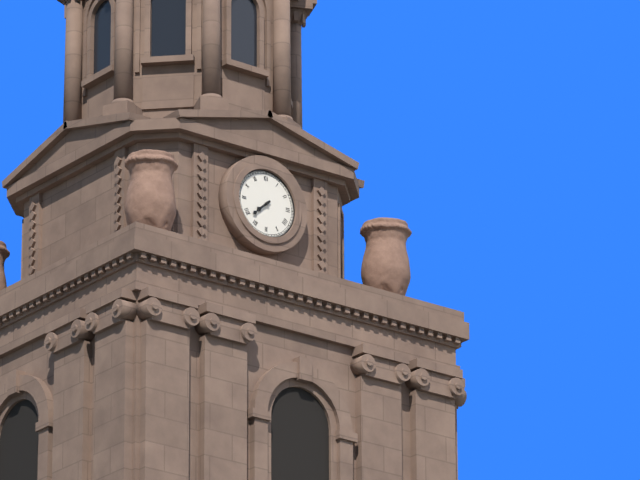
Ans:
7 h 38 min
